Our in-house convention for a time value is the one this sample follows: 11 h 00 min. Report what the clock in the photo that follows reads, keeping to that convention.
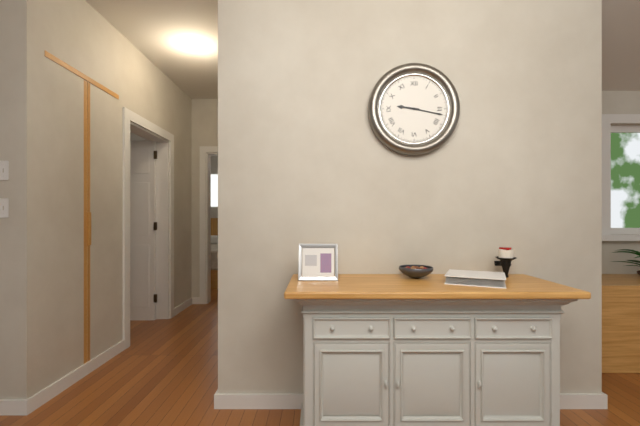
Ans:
9 h 17 min
